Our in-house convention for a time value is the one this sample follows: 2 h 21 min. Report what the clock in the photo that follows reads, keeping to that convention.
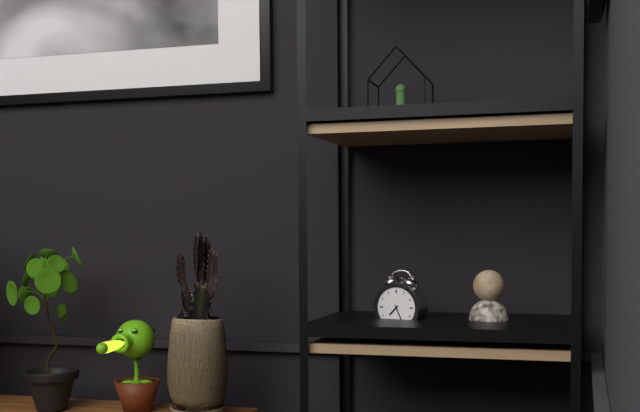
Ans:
7 h 26 min
